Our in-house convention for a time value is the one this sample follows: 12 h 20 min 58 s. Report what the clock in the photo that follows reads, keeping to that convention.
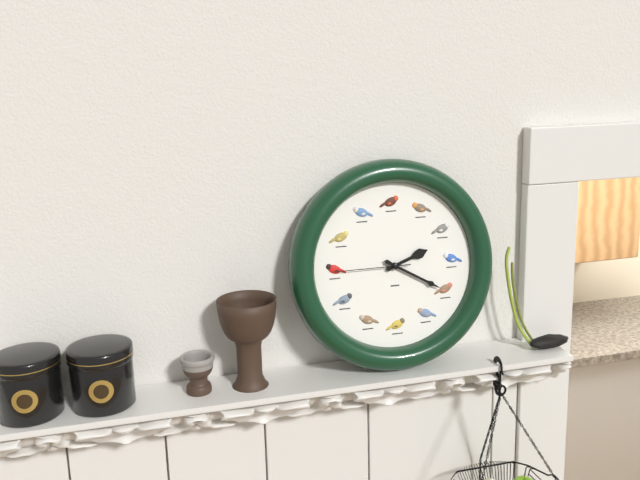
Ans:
2 h 20 min 45 s
